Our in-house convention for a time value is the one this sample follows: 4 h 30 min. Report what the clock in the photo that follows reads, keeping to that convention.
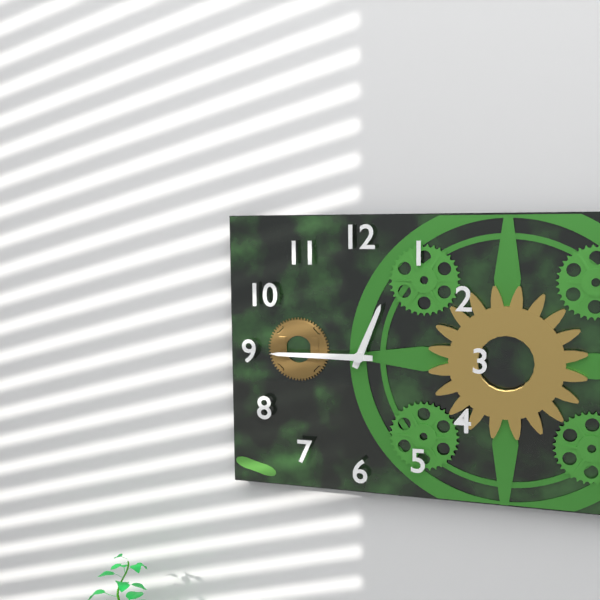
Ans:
12 h 45 min
